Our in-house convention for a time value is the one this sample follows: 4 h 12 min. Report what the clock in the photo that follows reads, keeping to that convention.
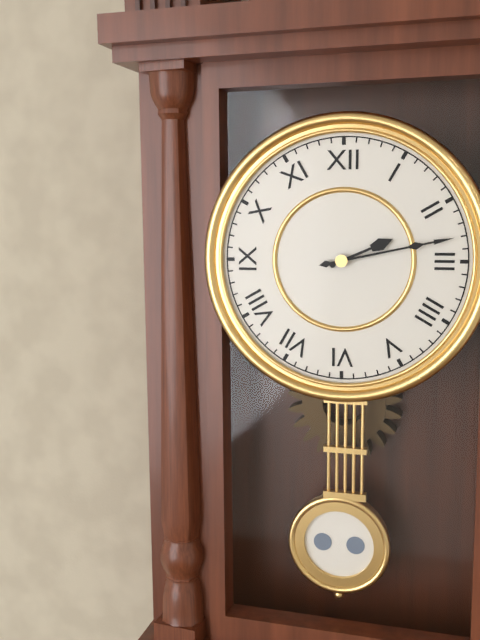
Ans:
2 h 13 min
